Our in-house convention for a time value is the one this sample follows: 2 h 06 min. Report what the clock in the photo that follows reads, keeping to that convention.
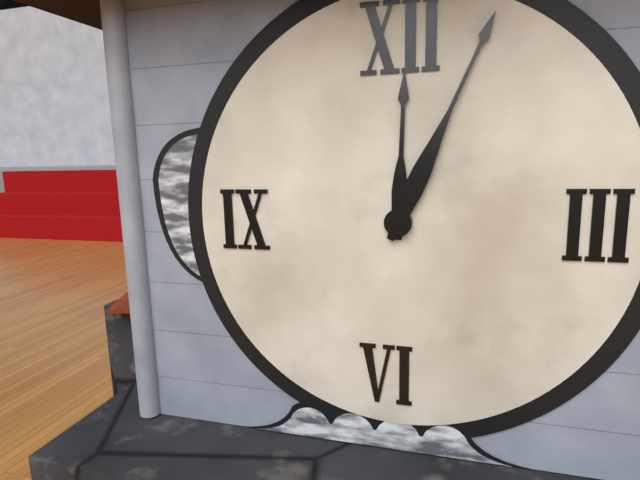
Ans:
12 h 04 min
